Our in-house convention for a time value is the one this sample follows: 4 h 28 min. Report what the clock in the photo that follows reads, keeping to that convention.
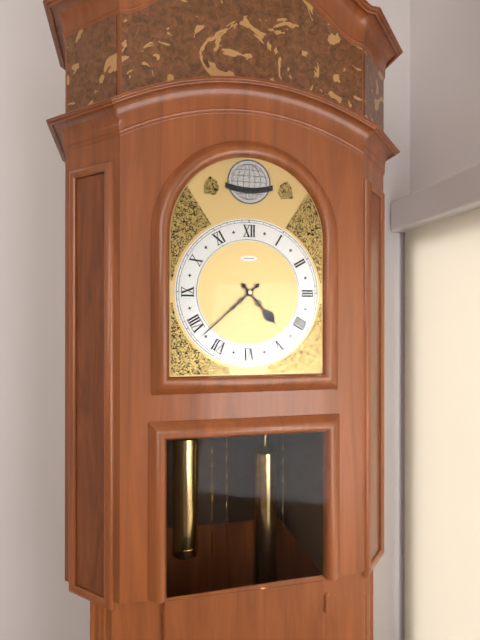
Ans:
4 h 38 min
